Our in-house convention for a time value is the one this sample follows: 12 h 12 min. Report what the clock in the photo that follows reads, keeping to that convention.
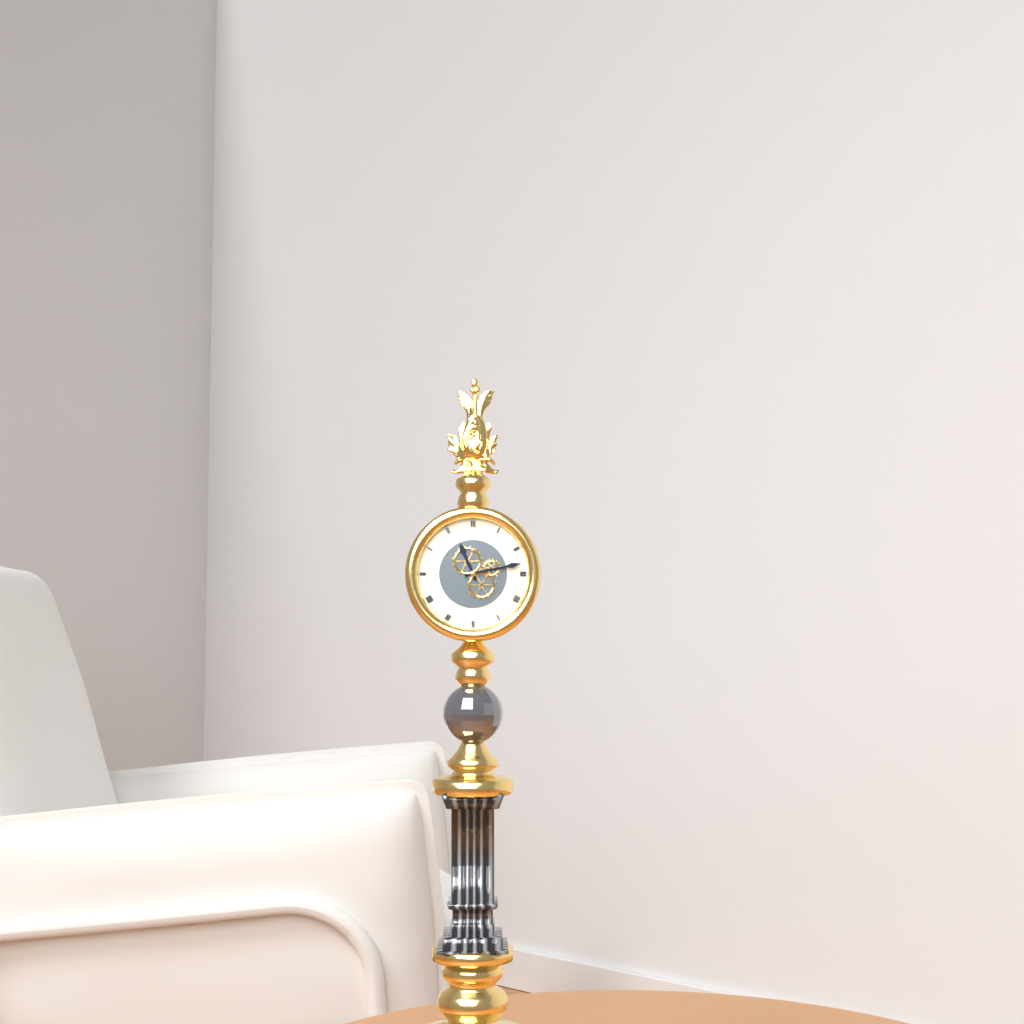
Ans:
11 h 13 min
